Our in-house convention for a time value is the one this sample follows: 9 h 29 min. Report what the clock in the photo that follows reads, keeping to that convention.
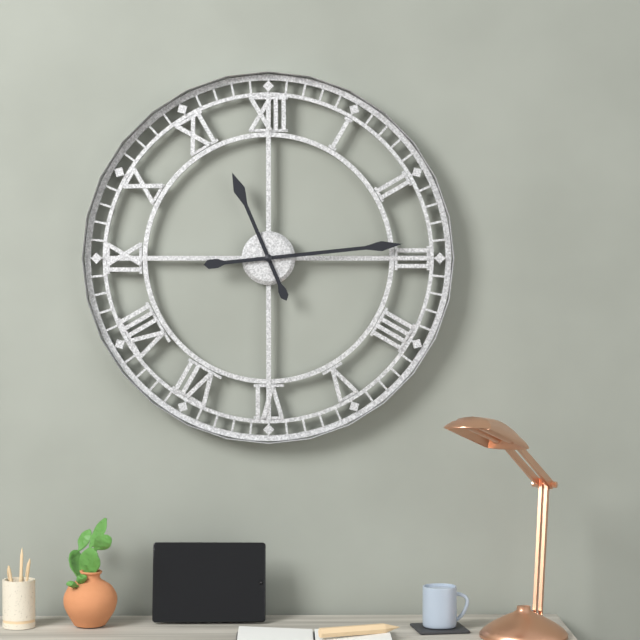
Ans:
11 h 14 min
